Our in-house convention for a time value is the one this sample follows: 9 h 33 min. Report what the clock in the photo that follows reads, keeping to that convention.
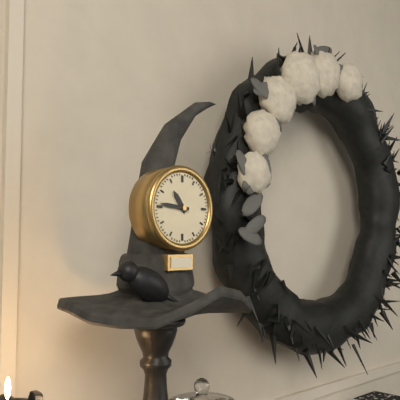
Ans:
10 h 46 min
